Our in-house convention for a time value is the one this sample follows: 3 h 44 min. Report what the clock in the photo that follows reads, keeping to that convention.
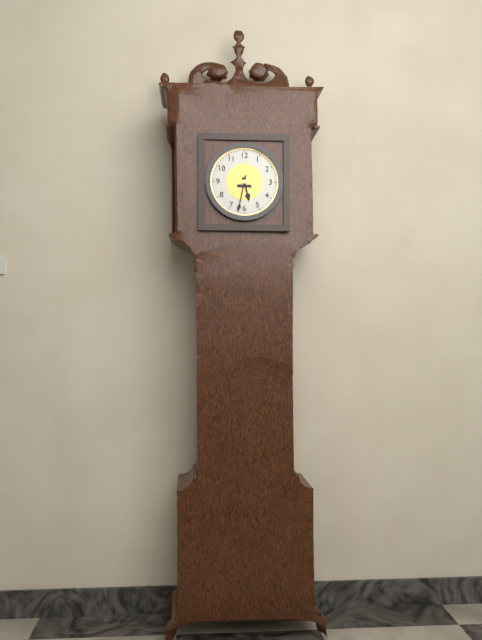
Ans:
5 h 32 min
